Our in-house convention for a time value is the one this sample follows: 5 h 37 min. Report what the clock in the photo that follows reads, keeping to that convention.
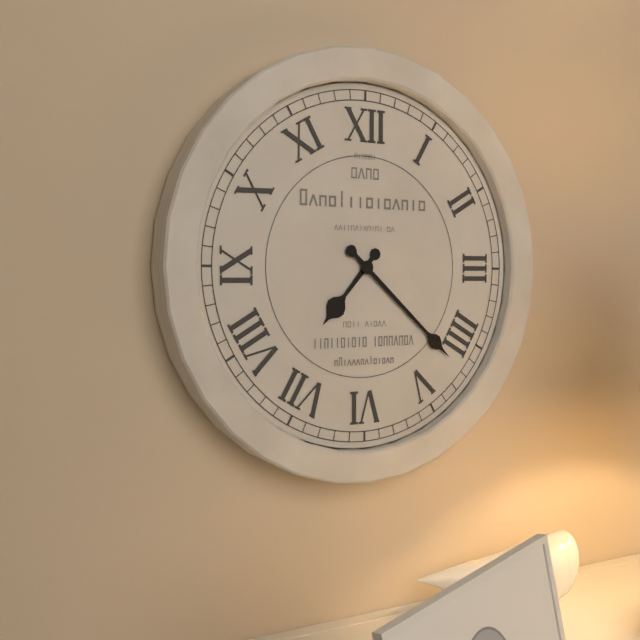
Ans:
7 h 22 min
